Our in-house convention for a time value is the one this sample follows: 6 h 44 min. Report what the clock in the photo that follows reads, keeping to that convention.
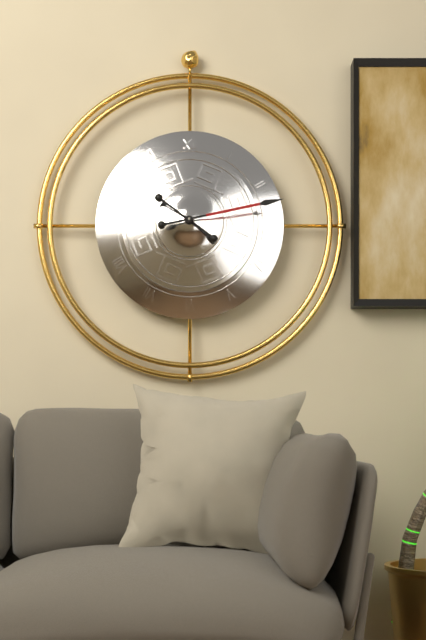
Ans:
10 h 13 min
